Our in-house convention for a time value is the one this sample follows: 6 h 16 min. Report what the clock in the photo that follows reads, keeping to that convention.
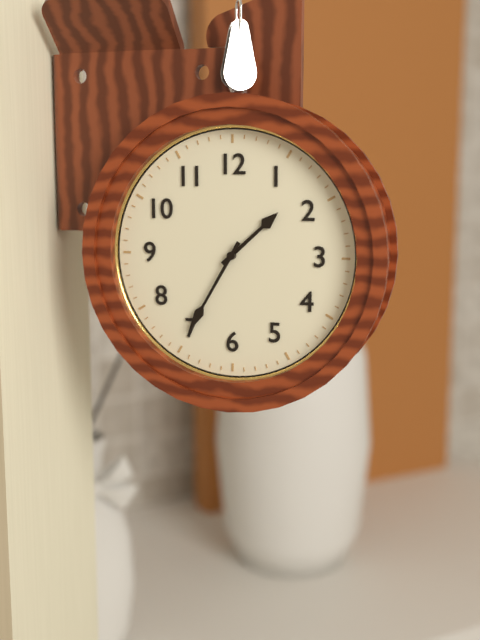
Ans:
1 h 35 min
